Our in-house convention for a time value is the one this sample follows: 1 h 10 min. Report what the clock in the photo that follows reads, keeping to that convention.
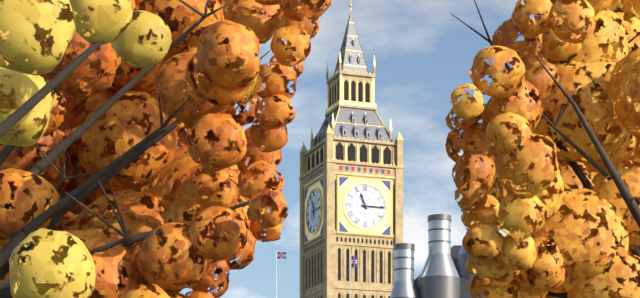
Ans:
11 h 15 min
